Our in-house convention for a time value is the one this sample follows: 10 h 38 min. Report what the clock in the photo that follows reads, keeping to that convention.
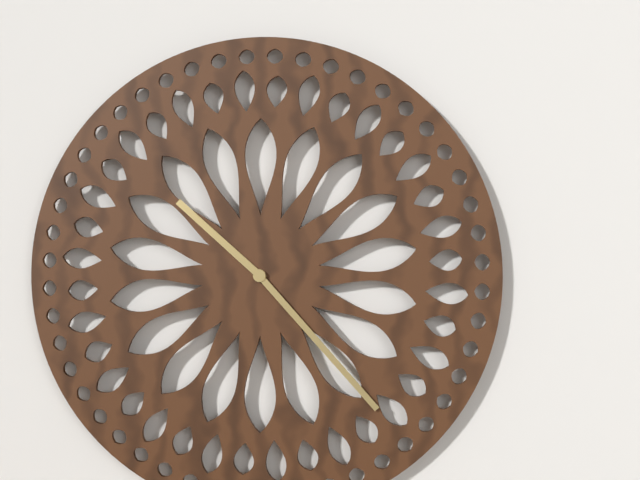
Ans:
10 h 23 min
